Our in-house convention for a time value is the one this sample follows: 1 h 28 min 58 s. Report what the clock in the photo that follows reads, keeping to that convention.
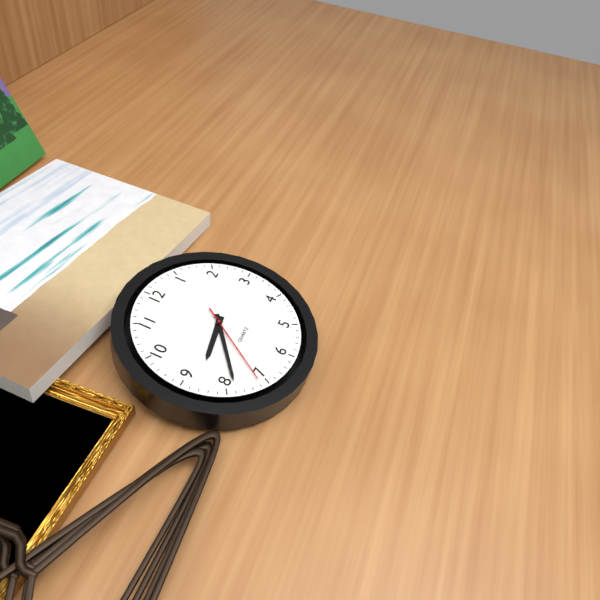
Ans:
8 h 39 min 36 s
